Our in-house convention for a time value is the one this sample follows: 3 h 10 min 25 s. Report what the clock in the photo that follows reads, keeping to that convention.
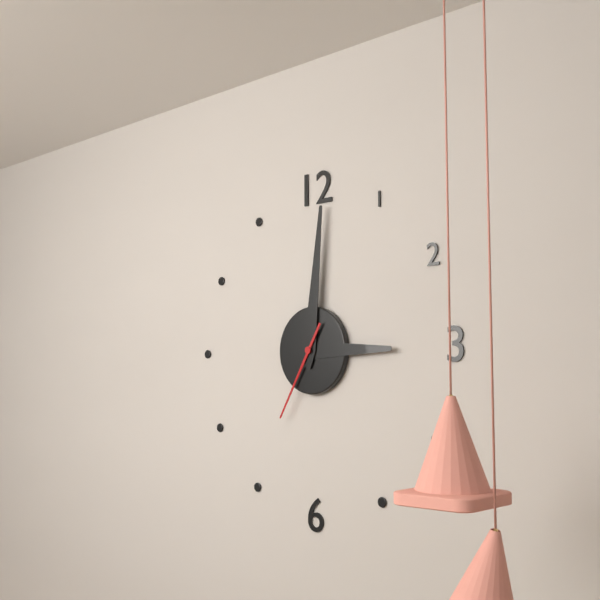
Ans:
3 h 01 min 35 s
